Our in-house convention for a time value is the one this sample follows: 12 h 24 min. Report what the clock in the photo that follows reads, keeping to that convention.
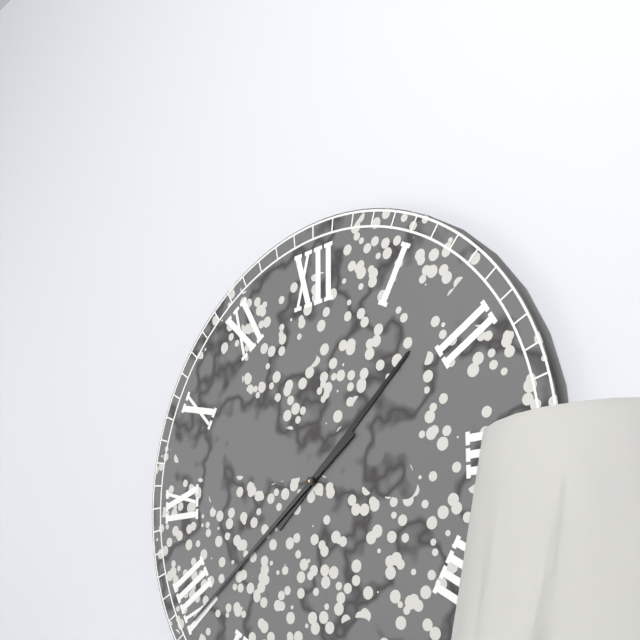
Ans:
1 h 39 min
